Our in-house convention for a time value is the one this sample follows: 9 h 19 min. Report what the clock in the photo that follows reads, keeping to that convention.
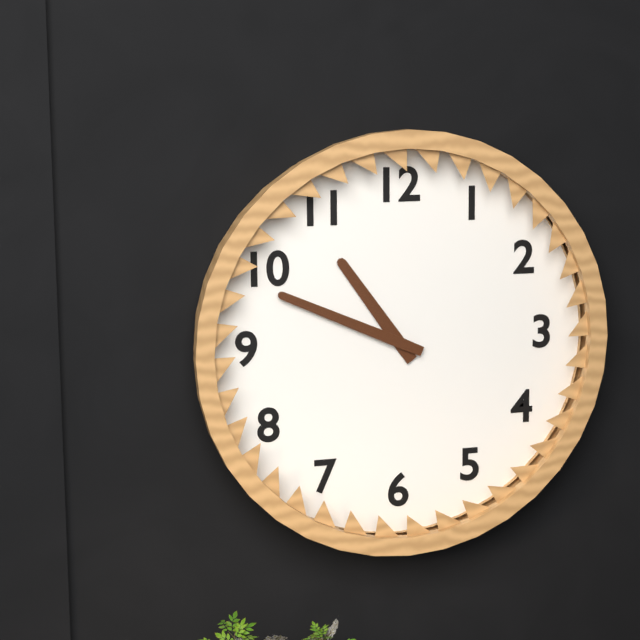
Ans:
10 h 49 min
